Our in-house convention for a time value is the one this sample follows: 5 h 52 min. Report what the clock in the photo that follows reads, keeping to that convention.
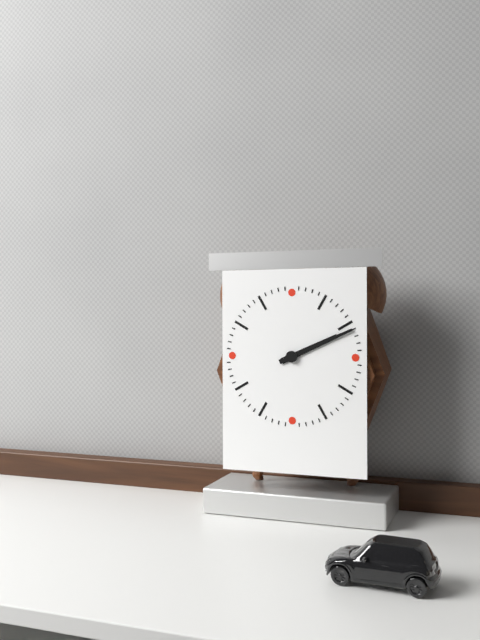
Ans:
2 h 11 min
